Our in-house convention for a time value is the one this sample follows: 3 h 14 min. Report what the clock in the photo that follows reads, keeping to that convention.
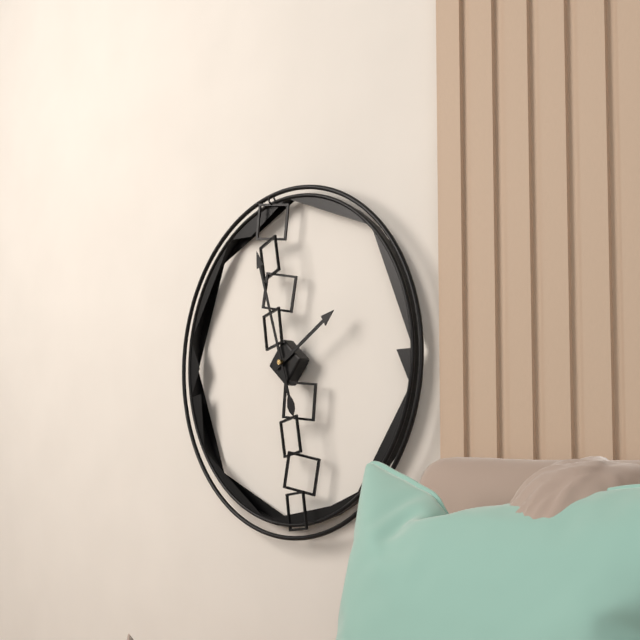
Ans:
1 h 57 min
